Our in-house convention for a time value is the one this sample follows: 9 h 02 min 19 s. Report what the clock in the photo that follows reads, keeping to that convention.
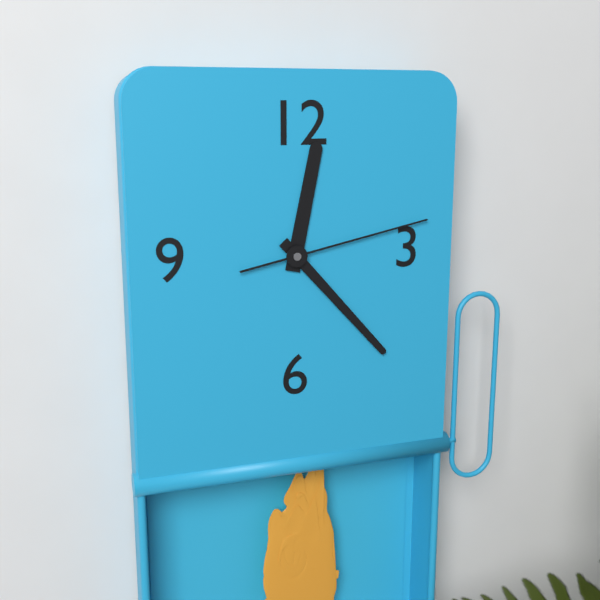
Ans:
12 h 23 min 13 s
